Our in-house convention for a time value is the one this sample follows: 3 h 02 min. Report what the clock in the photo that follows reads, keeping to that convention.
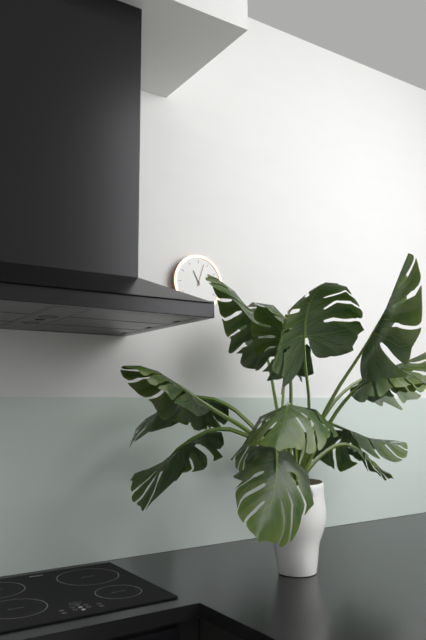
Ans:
11 h 03 min
